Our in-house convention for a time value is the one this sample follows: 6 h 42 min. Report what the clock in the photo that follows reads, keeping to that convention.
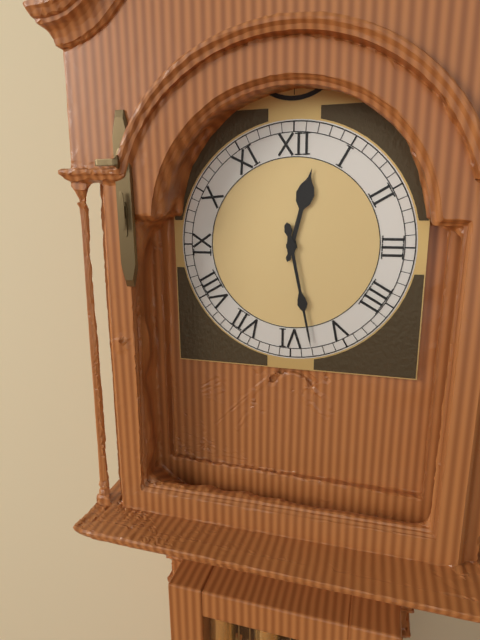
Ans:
12 h 28 min
